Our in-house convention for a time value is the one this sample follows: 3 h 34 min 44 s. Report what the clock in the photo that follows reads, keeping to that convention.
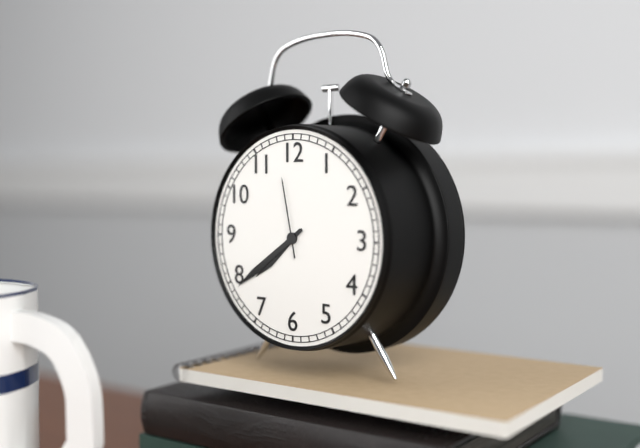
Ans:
7 h 39 min 58 s
